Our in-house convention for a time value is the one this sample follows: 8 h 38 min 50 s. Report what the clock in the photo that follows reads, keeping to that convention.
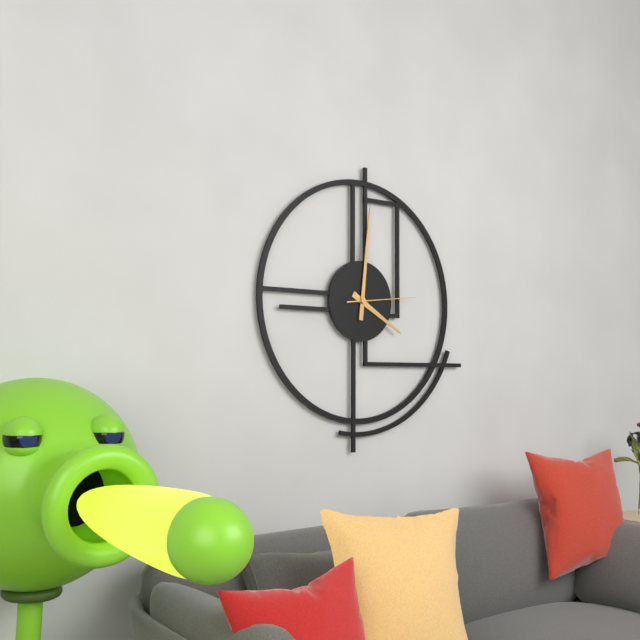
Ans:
4 h 01 min 14 s
